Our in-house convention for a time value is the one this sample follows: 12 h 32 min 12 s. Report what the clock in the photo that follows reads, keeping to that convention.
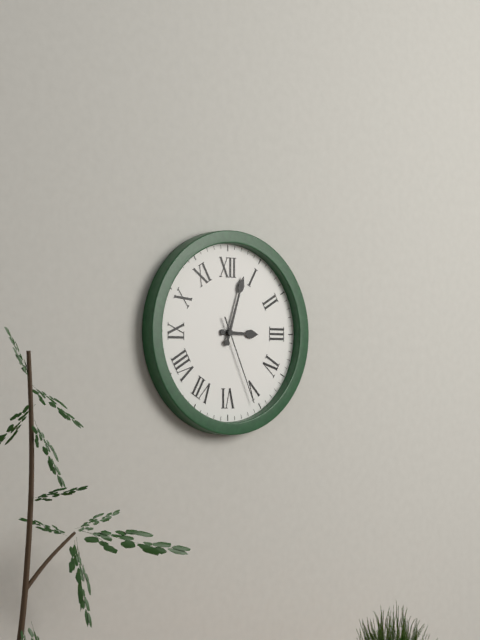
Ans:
3 h 03 min 26 s
